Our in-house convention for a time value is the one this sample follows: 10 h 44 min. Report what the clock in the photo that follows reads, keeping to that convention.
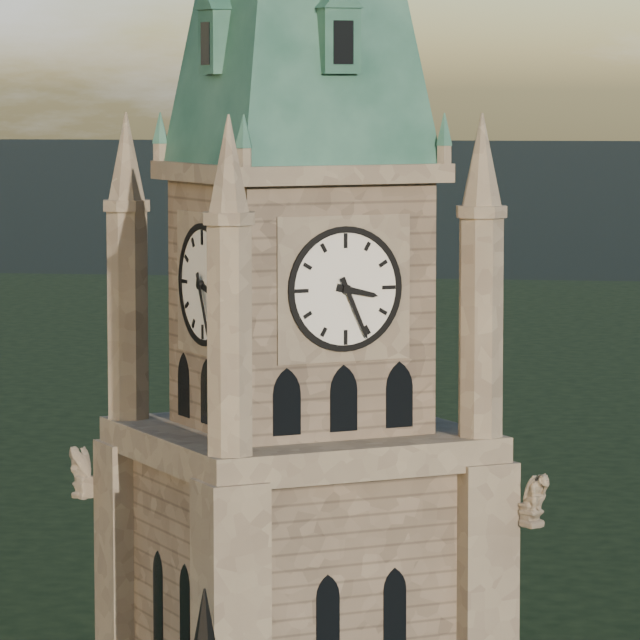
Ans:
3 h 26 min
